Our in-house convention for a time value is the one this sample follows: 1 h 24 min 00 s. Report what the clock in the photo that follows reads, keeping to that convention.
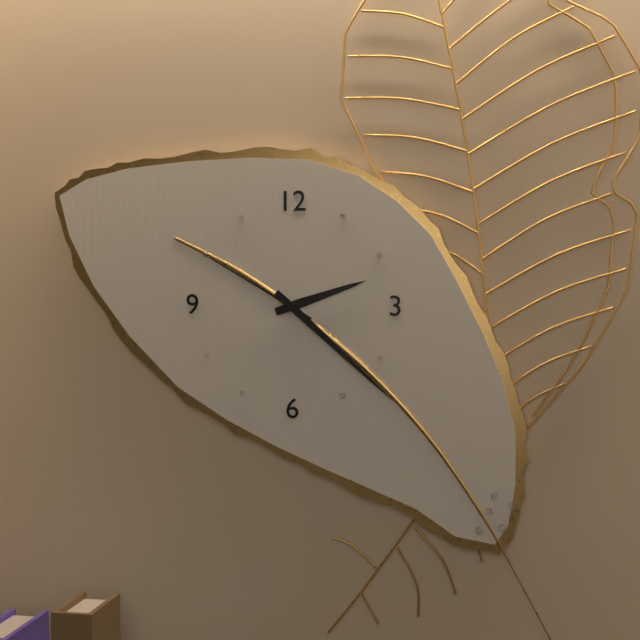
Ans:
2 h 22 min 50 s
